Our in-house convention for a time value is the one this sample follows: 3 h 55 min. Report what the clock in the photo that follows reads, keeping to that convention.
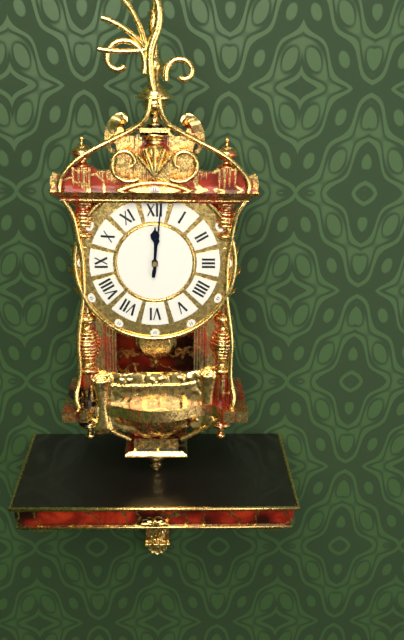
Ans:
12 h 01 min
